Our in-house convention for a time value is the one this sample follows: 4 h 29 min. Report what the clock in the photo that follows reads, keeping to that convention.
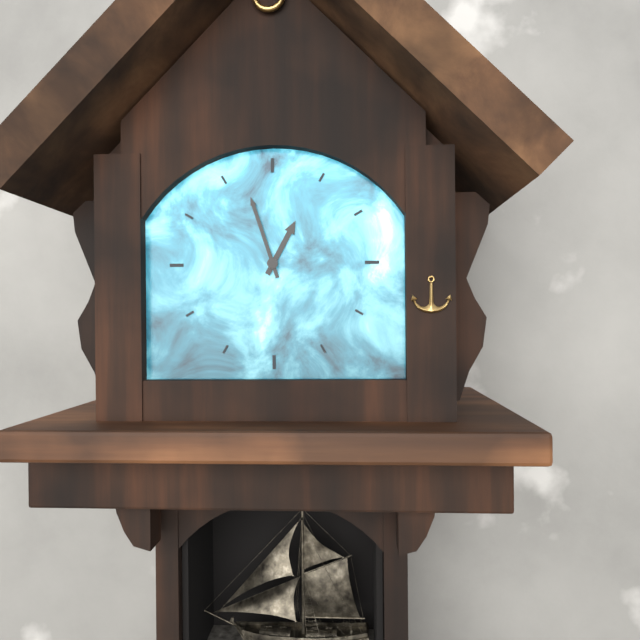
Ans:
12 h 57 min
